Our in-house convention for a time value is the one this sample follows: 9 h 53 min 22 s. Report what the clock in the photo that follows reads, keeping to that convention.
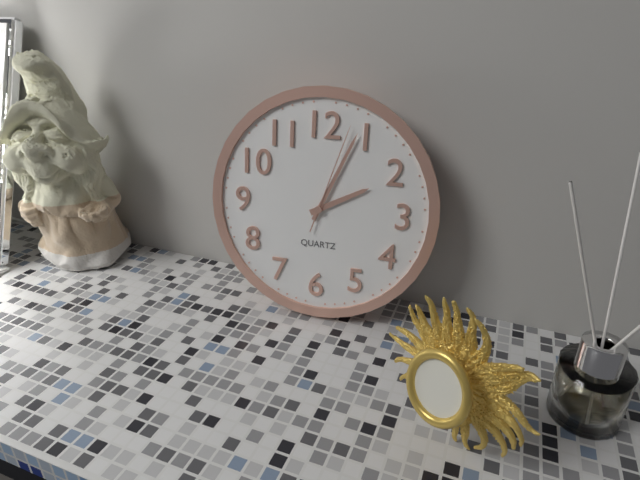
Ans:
2 h 04 min 03 s
